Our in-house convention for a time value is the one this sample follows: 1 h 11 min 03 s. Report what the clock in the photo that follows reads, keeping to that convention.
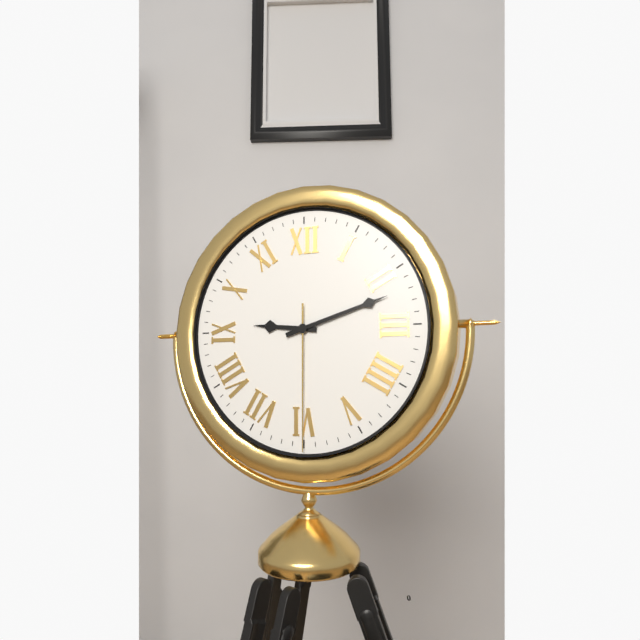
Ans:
9 h 12 min 30 s
